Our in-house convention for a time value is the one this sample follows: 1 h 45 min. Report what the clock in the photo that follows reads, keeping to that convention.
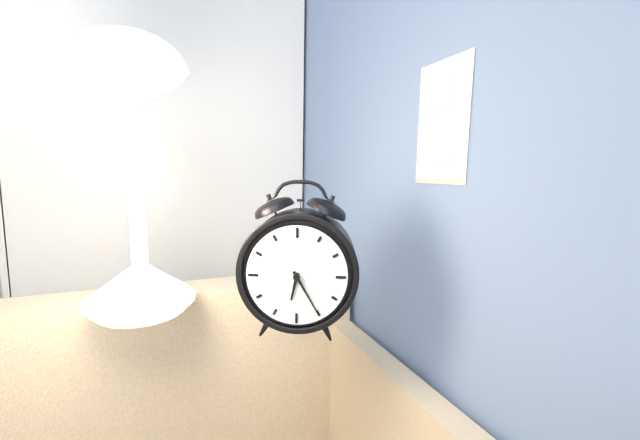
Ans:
6 h 25 min
